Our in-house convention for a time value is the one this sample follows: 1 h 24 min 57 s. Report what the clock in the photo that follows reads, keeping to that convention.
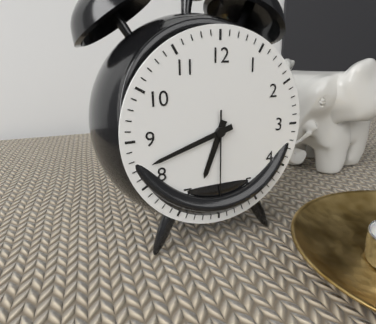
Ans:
6 h 42 min 30 s
